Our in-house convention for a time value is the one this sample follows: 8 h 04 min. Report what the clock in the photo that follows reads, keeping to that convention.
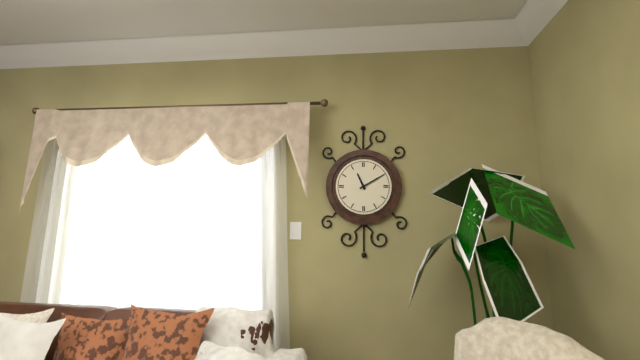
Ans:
11 h 10 min
